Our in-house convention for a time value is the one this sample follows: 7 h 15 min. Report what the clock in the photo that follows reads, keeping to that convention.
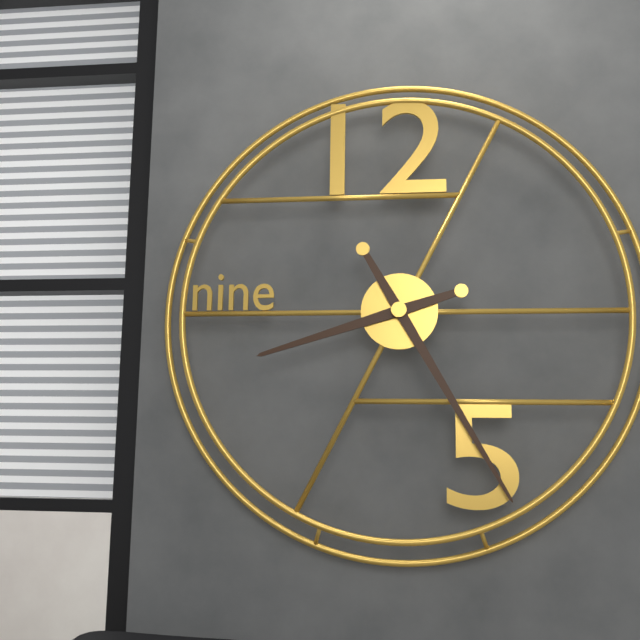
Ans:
8 h 25 min
